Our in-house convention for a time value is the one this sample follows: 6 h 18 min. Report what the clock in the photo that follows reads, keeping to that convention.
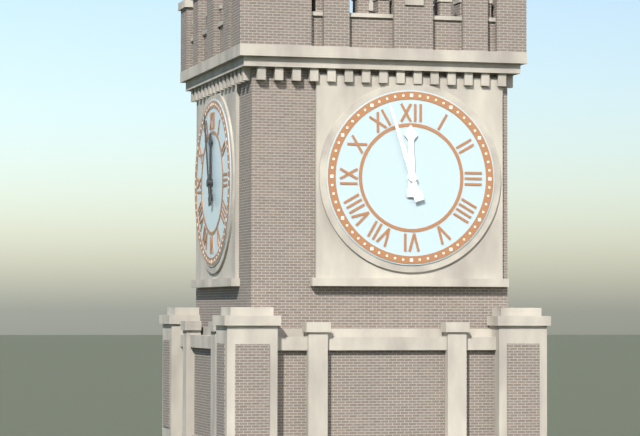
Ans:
11 h 57 min
